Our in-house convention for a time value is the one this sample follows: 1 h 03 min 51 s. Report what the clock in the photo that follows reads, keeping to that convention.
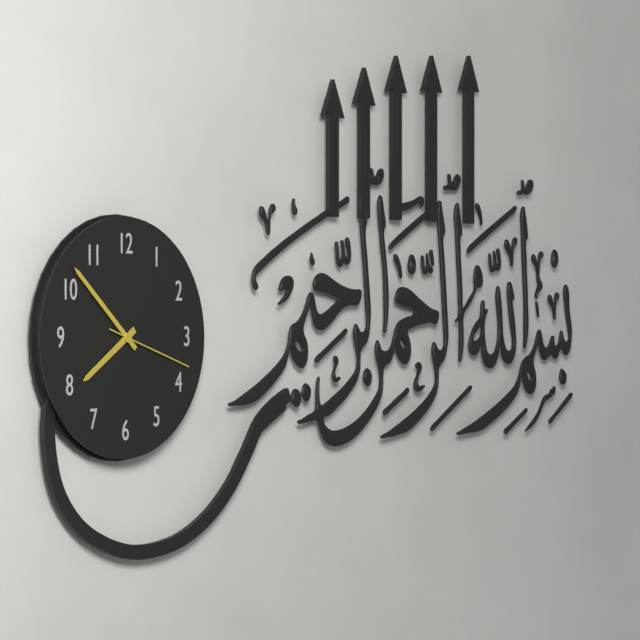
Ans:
7 h 52 min 18 s
